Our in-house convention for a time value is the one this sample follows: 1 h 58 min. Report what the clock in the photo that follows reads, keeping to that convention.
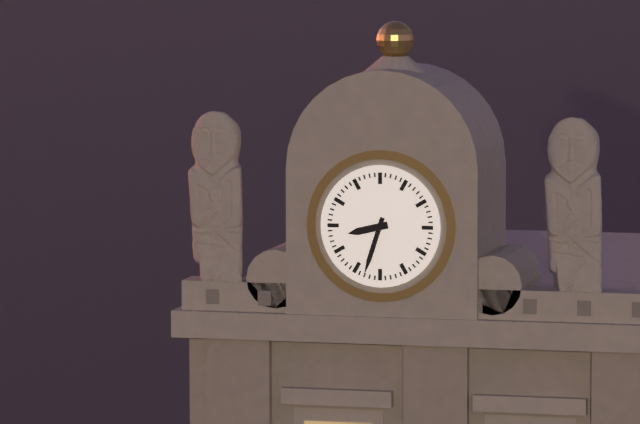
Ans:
8 h 33 min
